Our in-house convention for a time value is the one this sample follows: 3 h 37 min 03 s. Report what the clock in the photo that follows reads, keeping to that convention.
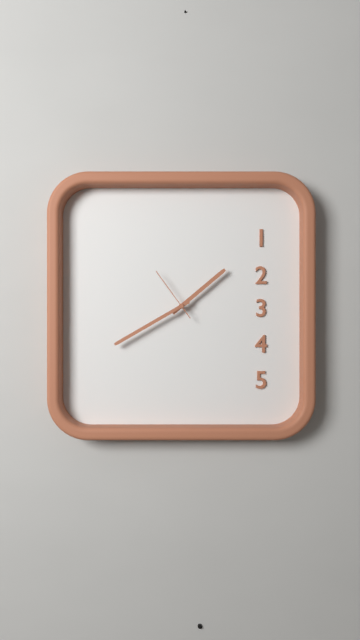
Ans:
1 h 40 min 54 s
